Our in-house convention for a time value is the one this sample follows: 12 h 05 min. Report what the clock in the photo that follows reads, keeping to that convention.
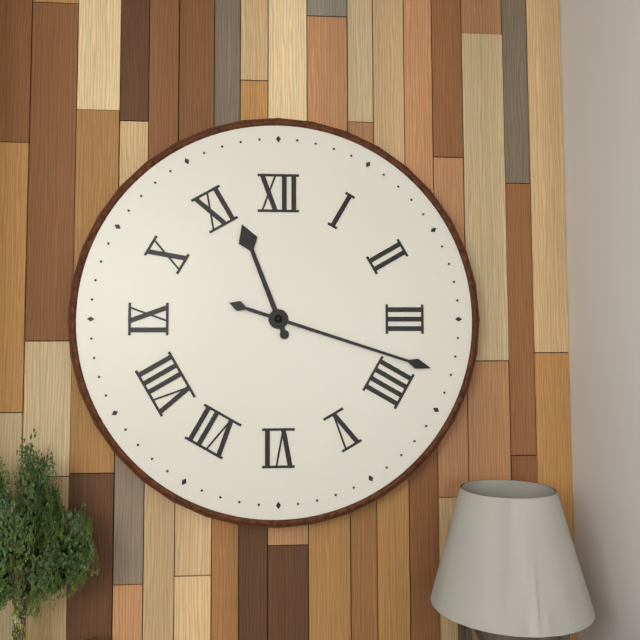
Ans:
11 h 18 min
